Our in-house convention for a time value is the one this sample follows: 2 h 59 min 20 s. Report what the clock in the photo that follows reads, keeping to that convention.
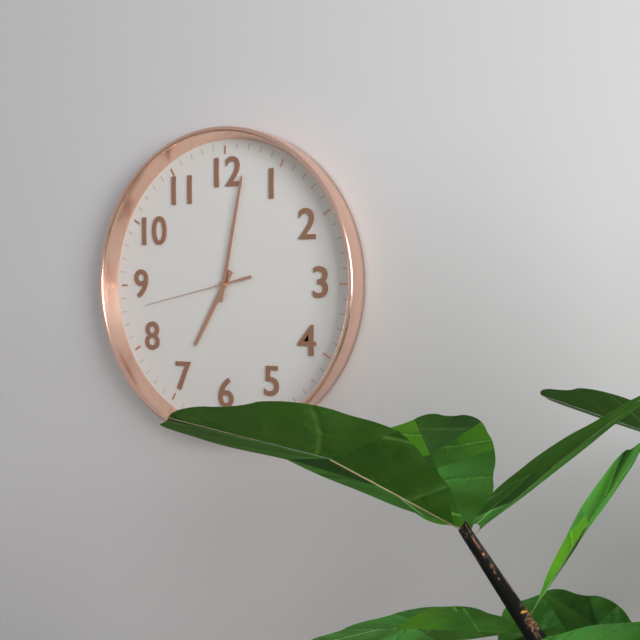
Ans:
7 h 02 min 43 s
